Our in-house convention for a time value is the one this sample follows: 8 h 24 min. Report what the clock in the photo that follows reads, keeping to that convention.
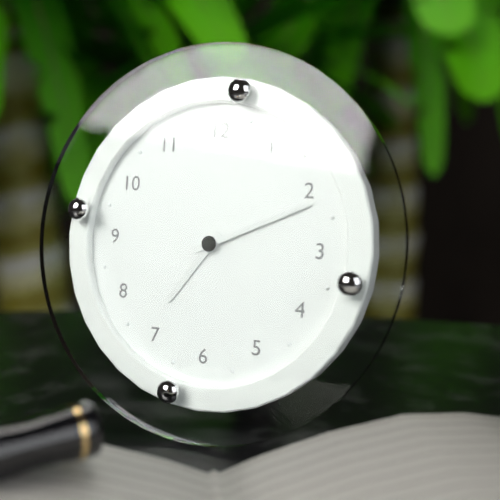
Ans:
7 h 11 min
